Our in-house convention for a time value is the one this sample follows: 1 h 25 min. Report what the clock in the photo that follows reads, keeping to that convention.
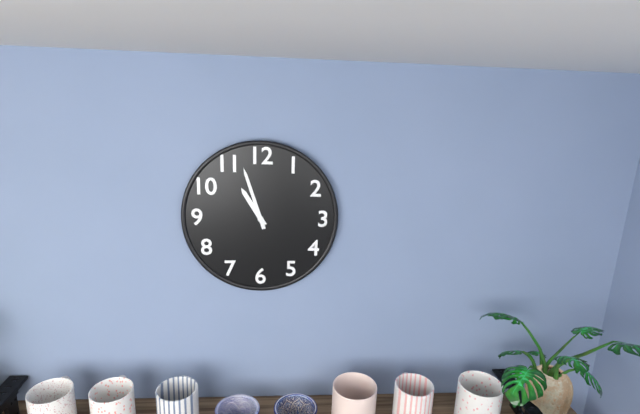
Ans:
10 h 57 min
